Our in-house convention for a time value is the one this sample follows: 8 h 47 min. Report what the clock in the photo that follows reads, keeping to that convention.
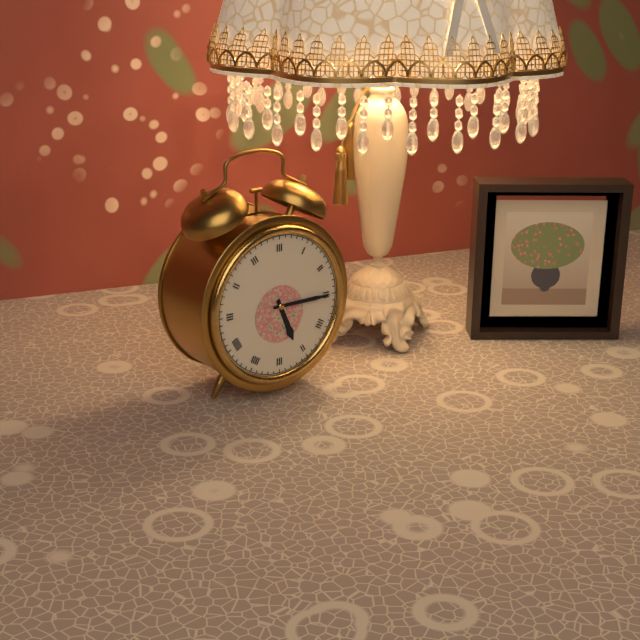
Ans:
5 h 15 min
